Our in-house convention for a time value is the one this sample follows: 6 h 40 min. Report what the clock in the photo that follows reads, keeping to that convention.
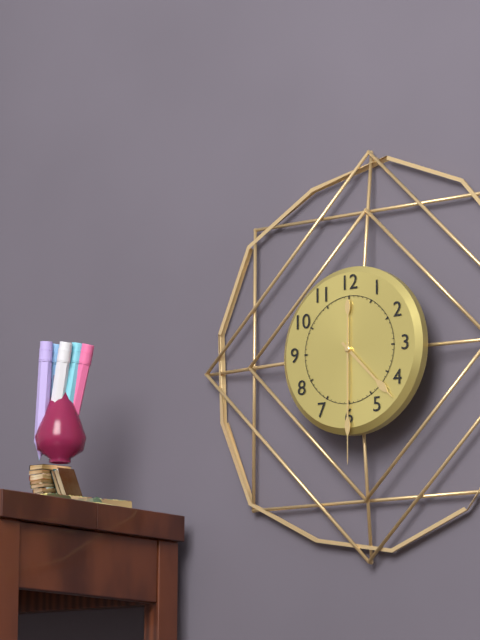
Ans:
4 h 30 min
